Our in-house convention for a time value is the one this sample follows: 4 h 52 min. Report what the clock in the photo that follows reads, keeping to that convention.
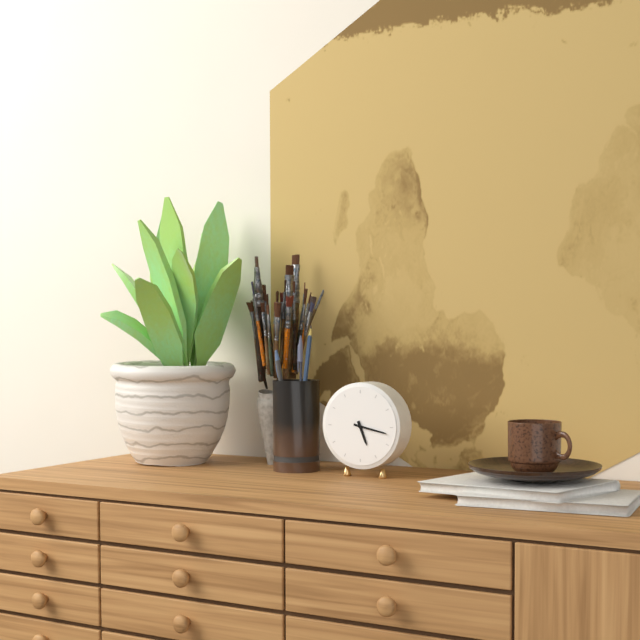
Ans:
5 h 17 min
